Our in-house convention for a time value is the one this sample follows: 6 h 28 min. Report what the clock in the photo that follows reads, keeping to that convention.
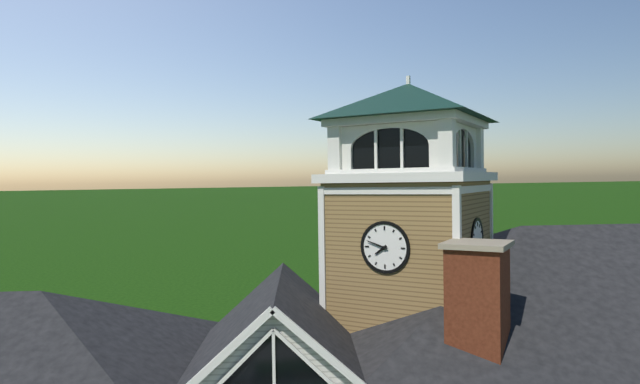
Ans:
7 h 48 min
